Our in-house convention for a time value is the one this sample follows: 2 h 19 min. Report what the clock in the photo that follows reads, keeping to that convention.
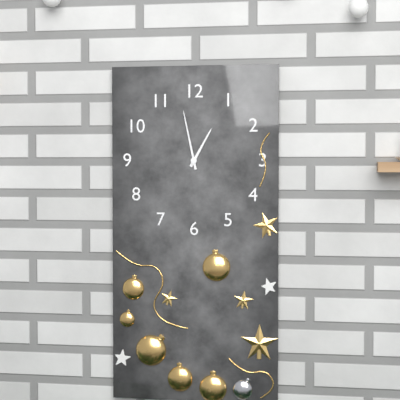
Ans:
12 h 58 min
